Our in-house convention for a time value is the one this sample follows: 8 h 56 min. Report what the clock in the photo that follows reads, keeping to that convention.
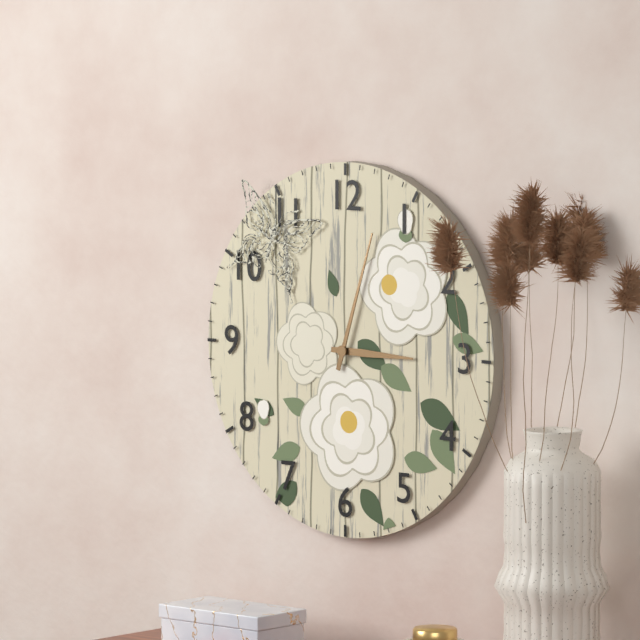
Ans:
3 h 03 min
